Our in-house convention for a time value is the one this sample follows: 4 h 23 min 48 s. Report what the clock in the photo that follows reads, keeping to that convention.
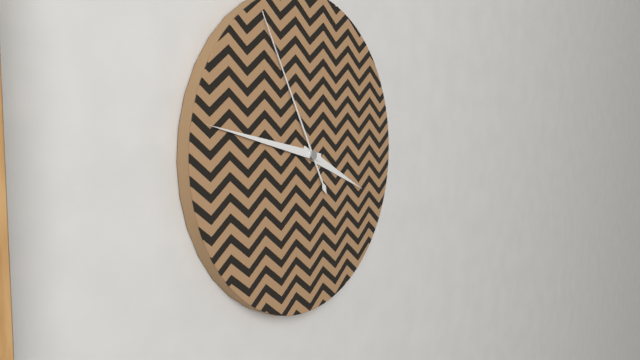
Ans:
3 h 47 min 55 s
